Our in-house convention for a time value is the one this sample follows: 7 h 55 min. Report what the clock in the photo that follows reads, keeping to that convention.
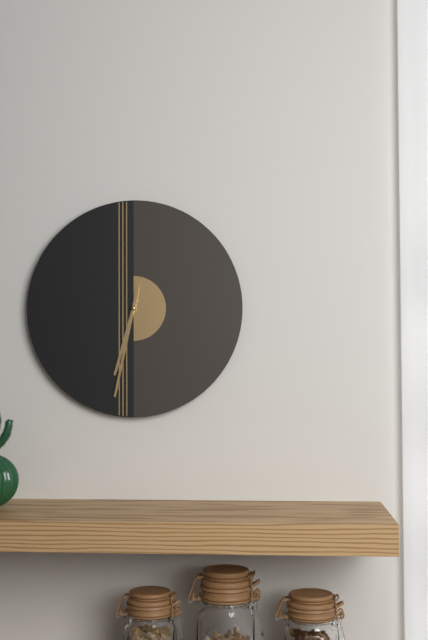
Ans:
6 h 32 min
